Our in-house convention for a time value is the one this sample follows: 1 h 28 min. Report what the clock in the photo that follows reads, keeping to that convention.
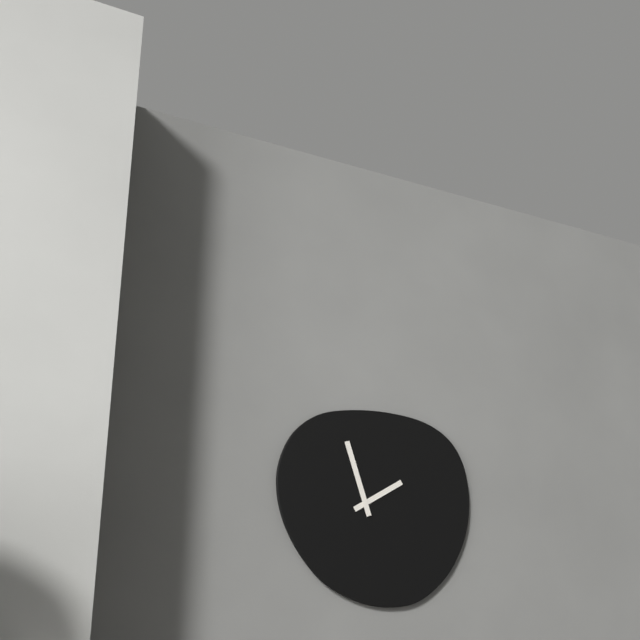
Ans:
1 h 57 min
